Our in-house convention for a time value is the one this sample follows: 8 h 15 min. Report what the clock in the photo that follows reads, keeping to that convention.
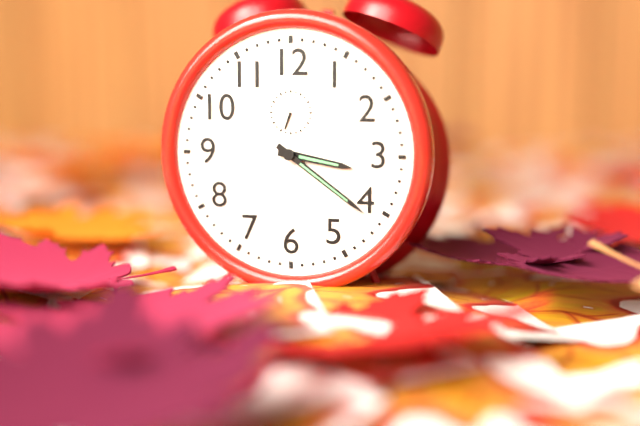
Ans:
3 h 21 min
